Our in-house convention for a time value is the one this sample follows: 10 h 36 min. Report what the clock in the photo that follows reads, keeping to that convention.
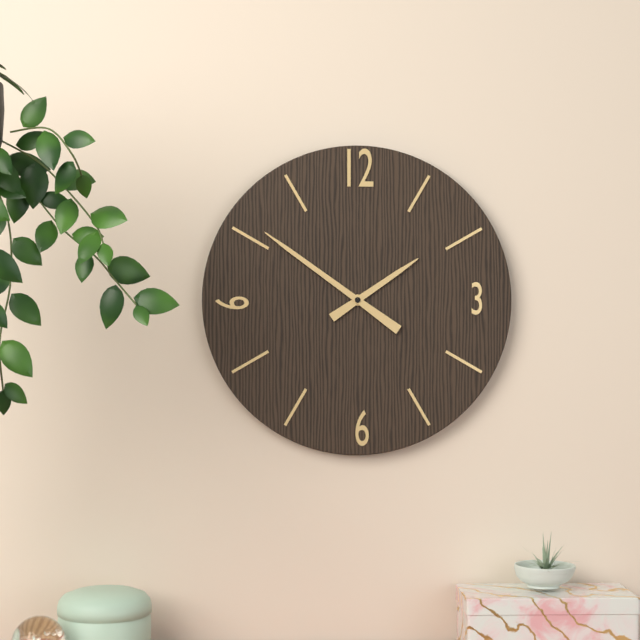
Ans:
1 h 51 min
